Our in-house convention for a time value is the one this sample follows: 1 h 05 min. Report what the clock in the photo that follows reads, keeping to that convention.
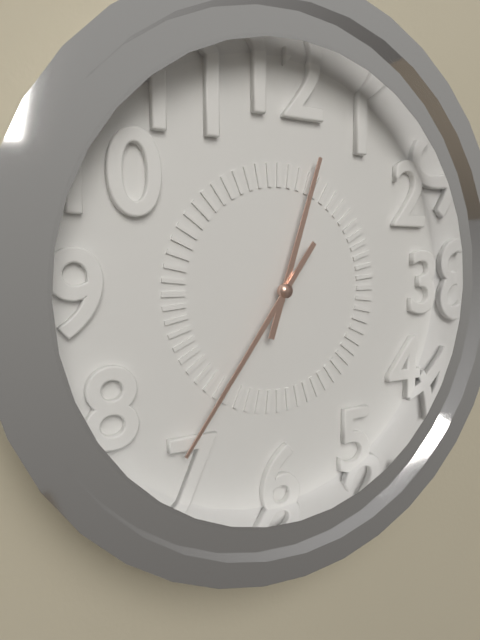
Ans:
12 h 36 min
